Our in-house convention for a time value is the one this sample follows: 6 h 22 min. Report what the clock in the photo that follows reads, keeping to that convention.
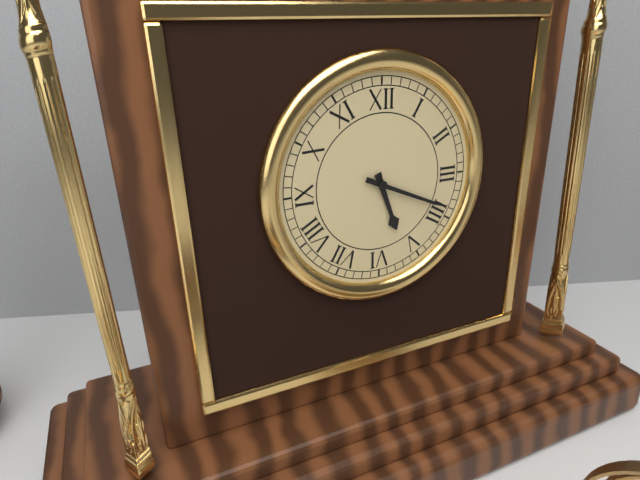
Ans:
5 h 19 min
